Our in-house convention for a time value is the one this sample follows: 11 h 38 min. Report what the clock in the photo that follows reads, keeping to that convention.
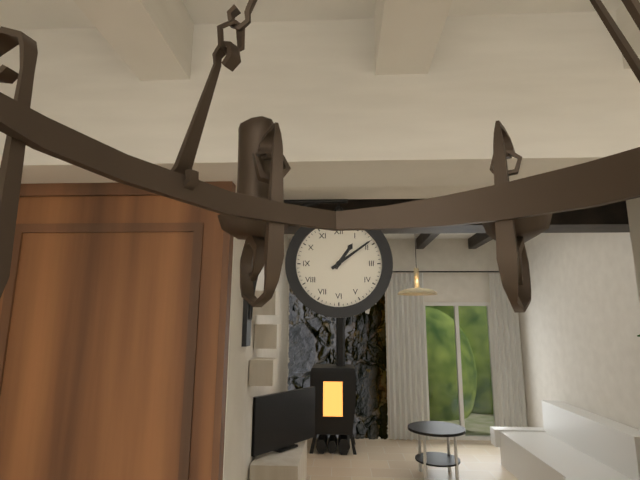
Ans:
1 h 09 min
